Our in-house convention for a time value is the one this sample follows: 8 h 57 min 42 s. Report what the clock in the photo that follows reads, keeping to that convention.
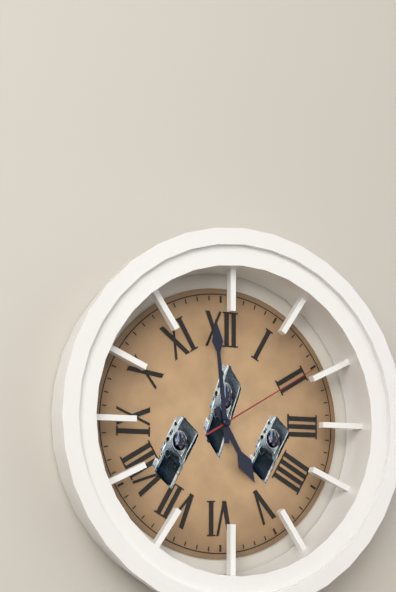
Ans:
4 h 59 min 10 s
